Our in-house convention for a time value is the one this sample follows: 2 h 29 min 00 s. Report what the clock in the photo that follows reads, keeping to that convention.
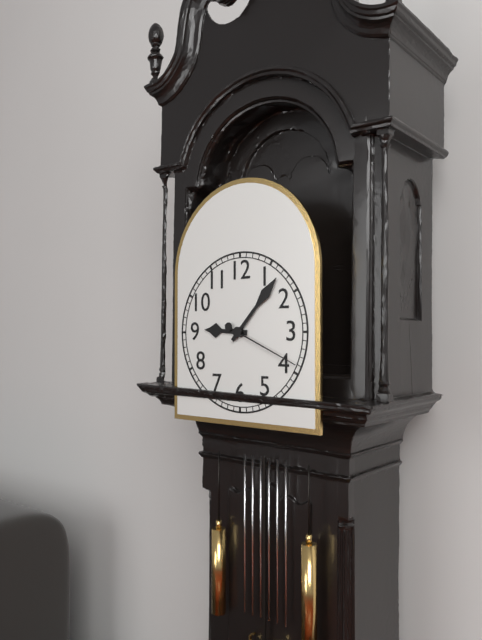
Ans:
9 h 07 min 19 s
